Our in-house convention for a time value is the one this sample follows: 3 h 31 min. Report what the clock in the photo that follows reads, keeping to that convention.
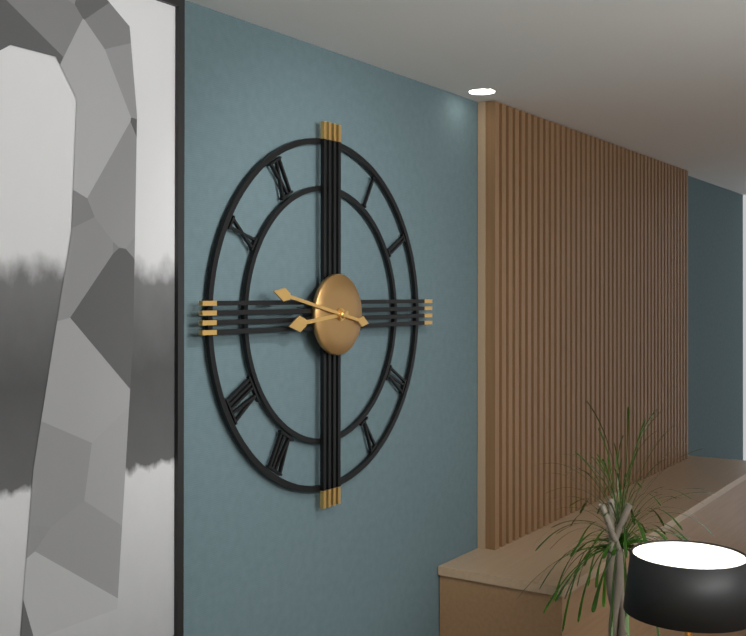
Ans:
8 h 47 min
